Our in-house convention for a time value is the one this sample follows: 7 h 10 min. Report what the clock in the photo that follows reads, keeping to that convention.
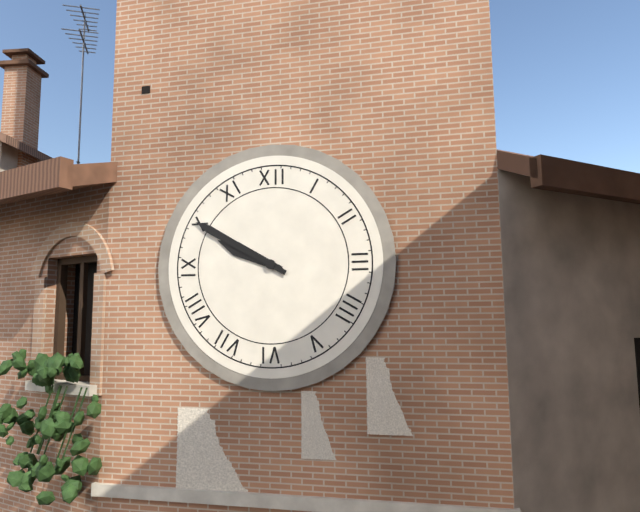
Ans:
9 h 50 min
